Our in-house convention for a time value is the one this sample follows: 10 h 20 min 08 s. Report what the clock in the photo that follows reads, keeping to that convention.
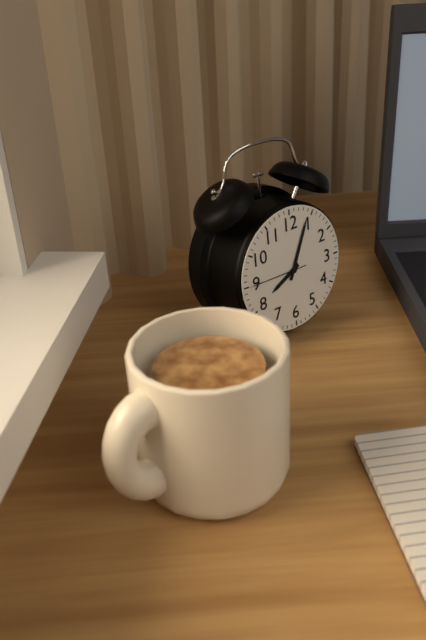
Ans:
8 h 04 min 45 s
